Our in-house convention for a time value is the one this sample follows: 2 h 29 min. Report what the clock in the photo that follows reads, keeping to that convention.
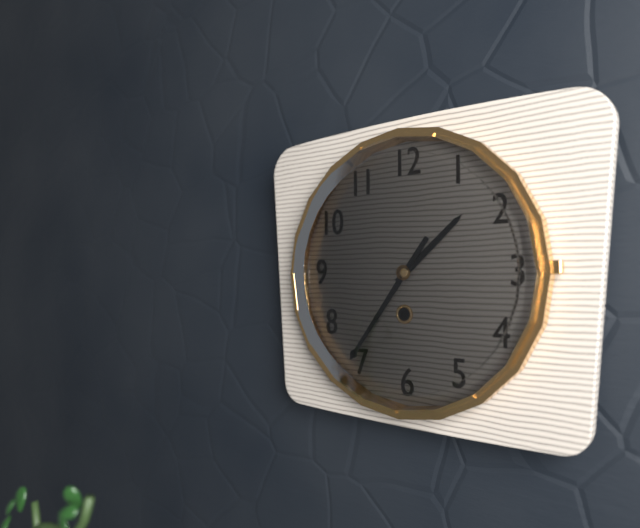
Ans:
1 h 36 min
